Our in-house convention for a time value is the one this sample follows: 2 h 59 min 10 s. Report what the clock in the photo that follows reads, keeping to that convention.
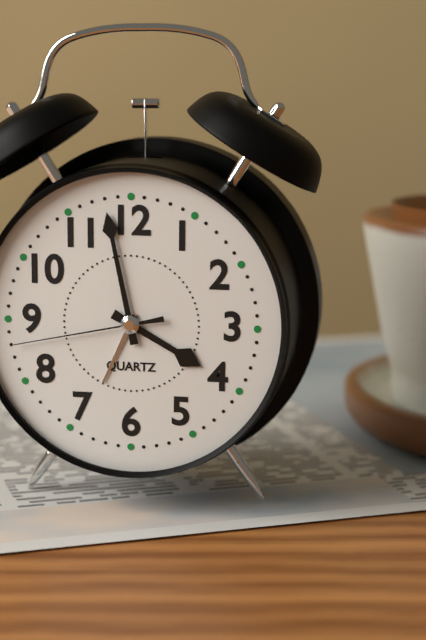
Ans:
3 h 58 min 43 s
